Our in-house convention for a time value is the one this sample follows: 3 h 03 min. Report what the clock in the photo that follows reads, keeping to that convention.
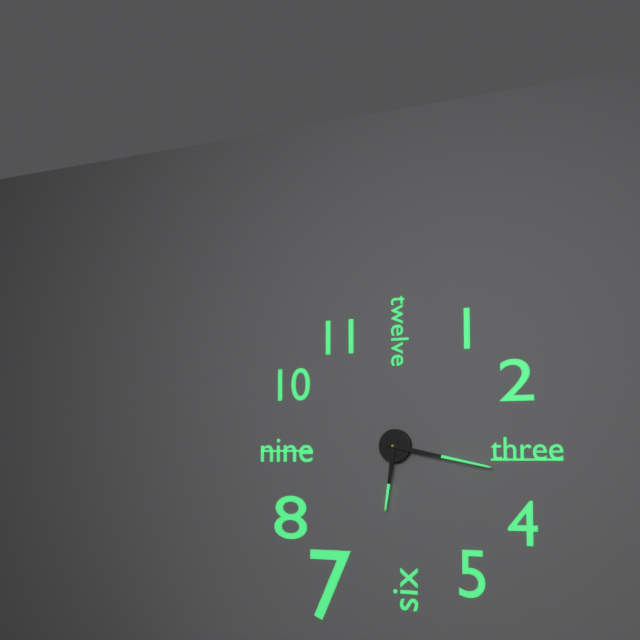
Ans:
6 h 17 min
